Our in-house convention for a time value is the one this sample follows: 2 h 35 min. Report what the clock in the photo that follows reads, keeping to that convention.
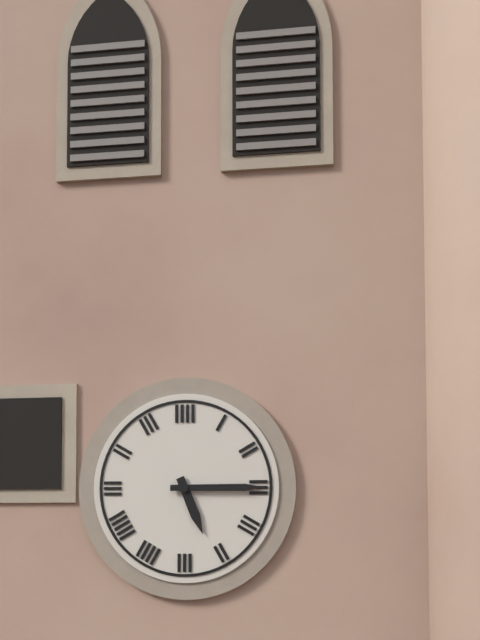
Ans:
5 h 15 min
